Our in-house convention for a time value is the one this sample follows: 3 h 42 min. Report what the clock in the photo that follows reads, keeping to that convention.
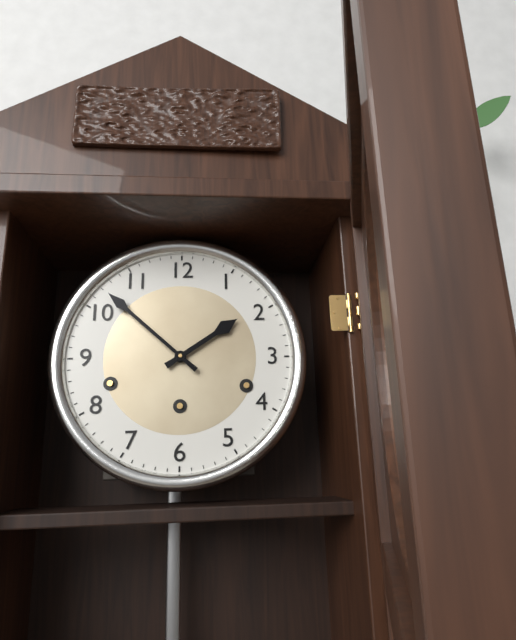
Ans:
1 h 52 min
